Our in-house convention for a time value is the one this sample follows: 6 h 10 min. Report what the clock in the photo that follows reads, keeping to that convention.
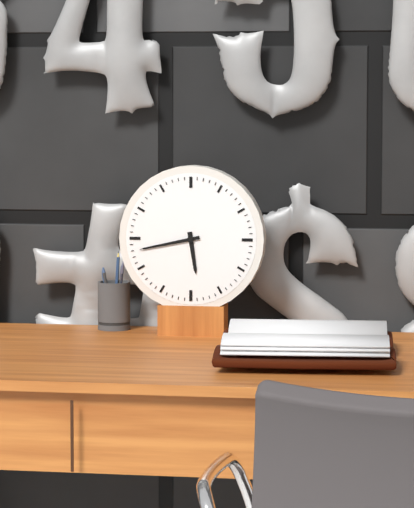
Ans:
5 h 43 min
